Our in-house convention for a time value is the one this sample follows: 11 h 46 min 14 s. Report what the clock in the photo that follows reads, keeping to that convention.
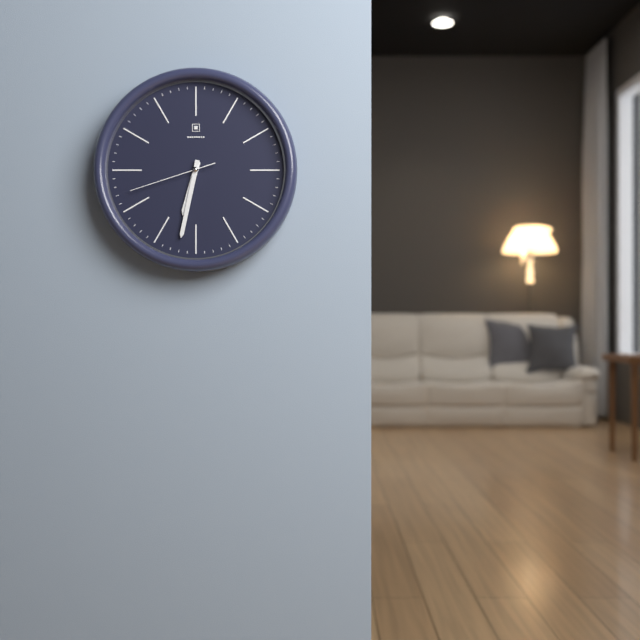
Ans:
6 h 32 min 42 s
